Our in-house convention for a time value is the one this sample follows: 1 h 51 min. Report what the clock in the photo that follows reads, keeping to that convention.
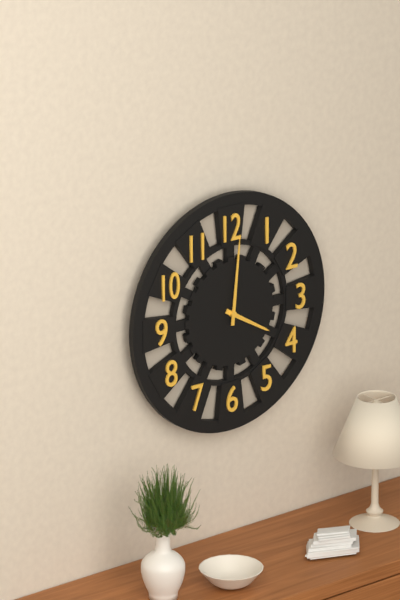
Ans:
4 h 01 min
